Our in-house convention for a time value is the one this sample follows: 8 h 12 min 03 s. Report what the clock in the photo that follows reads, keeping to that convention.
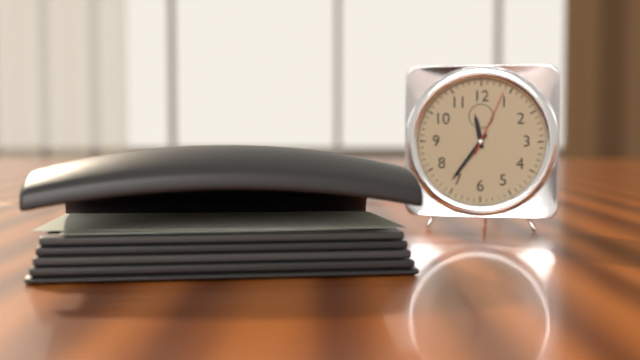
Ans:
11 h 36 min 04 s
